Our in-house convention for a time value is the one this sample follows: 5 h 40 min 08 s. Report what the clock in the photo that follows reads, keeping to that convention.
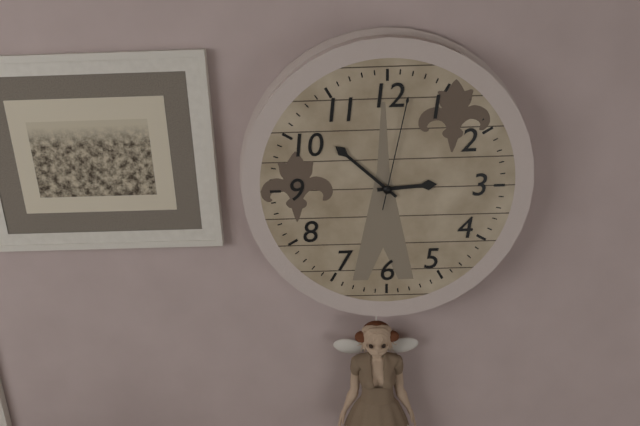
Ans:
2 h 52 min 02 s
